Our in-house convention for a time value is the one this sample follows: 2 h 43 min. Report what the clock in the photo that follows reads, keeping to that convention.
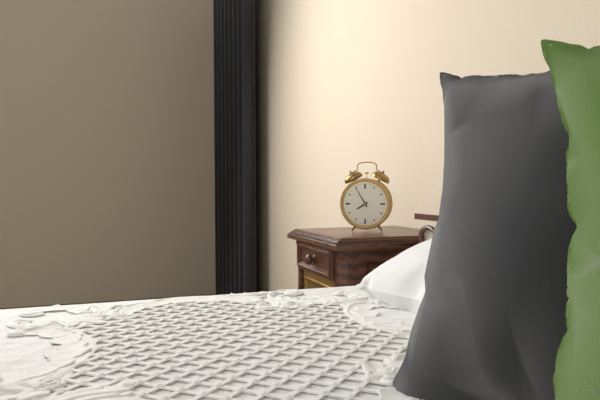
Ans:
7 h 55 min
